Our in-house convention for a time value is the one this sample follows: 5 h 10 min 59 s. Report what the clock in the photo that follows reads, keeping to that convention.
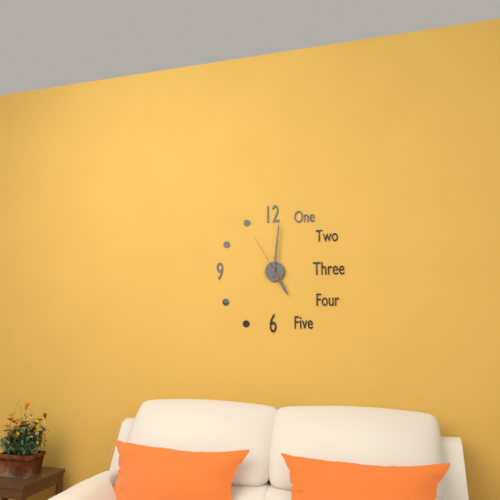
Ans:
5 h 01 min 55 s
